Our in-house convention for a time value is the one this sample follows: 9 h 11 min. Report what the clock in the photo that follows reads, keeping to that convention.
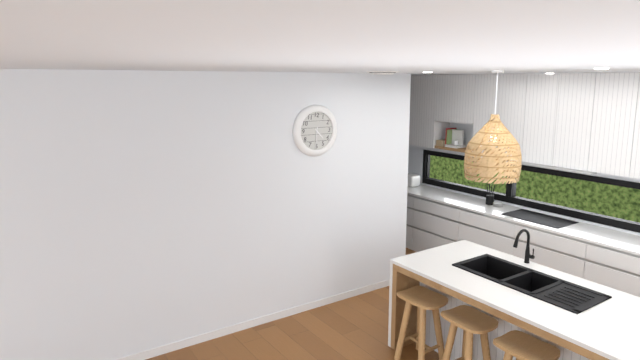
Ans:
4 h 31 min
